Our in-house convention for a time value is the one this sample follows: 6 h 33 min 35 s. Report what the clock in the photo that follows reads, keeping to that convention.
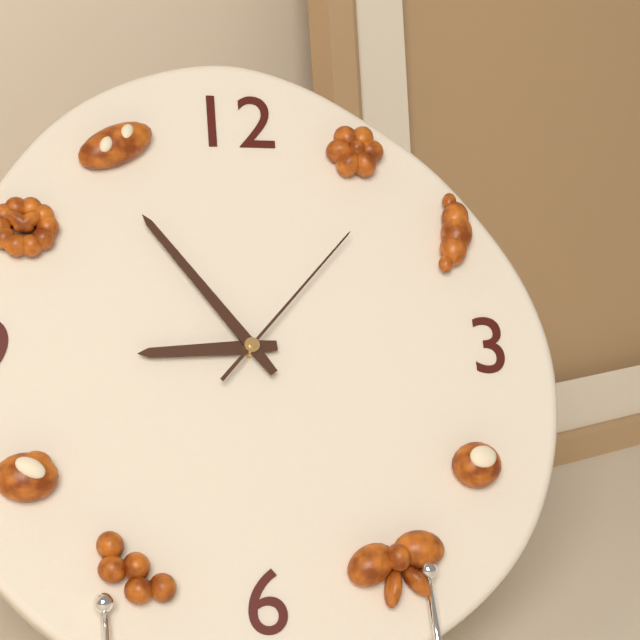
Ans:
8 h 54 min 07 s
